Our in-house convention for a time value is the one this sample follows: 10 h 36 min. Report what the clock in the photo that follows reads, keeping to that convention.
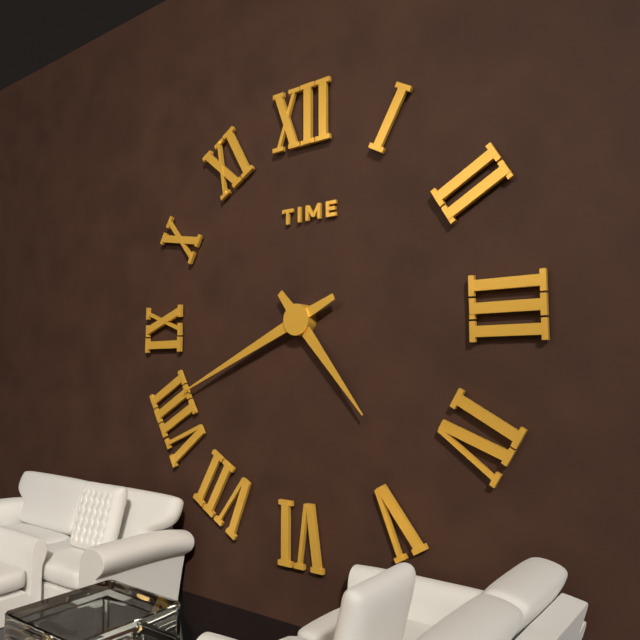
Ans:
4 h 41 min
